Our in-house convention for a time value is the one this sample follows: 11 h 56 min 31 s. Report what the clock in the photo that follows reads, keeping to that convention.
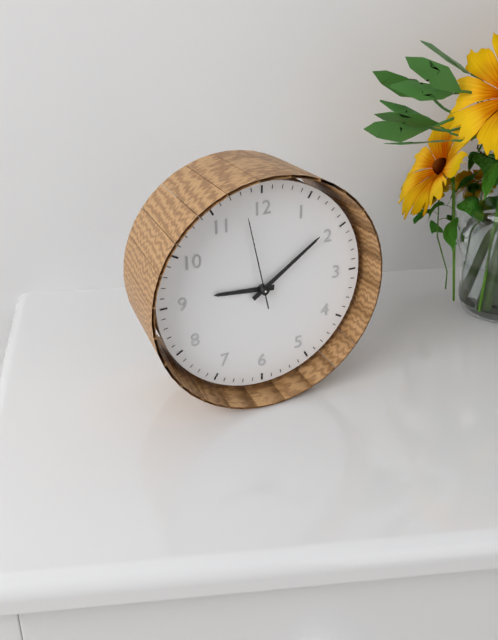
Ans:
9 h 09 min 58 s
